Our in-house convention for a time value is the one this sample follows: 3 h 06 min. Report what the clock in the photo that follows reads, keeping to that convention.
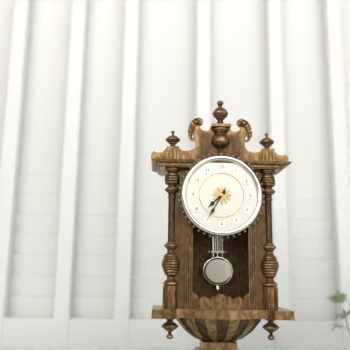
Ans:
7 h 35 min
